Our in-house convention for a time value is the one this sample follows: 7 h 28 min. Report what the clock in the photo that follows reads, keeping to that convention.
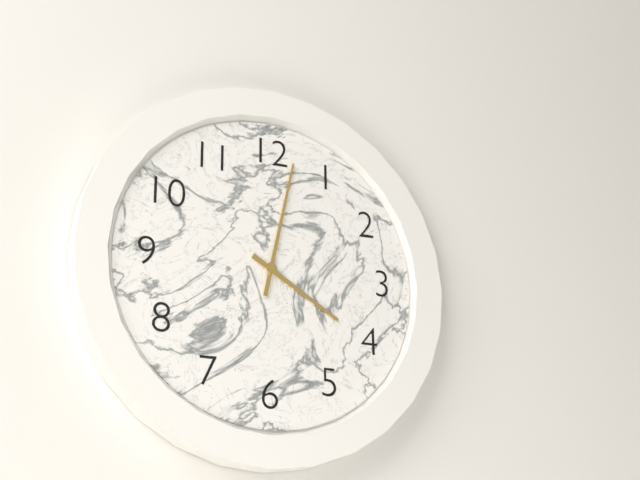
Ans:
4 h 02 min
